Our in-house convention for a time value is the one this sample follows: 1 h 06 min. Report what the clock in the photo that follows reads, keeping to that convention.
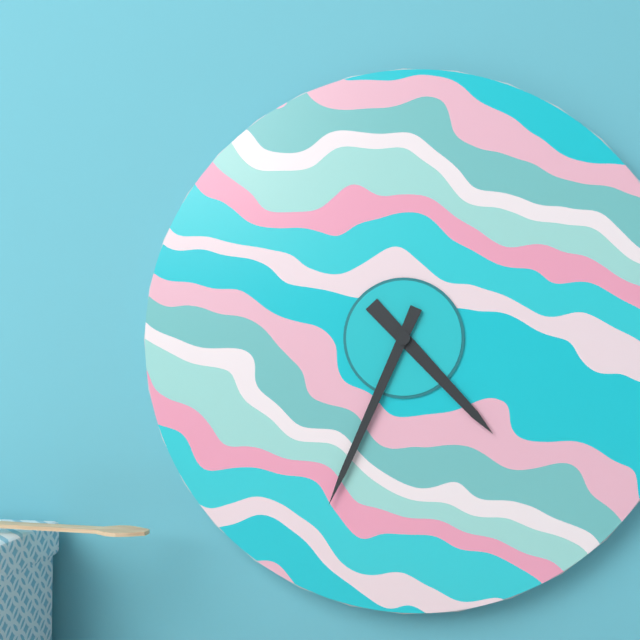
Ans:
4 h 34 min
